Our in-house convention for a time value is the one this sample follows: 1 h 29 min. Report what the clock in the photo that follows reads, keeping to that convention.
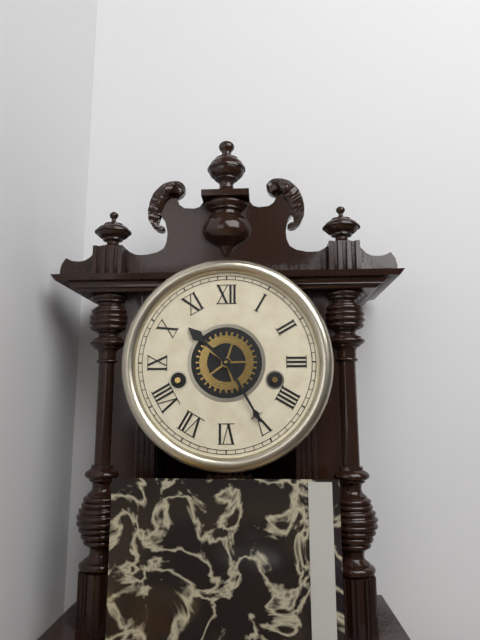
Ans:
10 h 25 min
